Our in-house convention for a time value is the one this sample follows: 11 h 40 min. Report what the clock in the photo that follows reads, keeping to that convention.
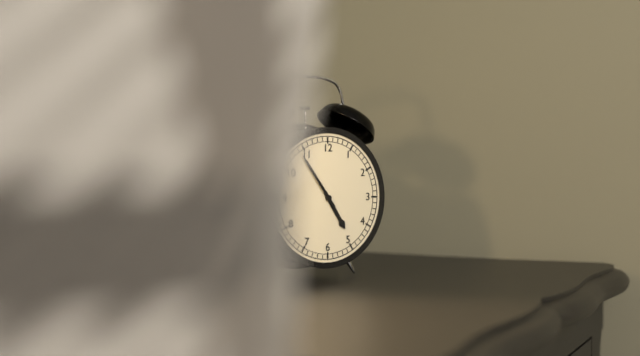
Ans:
4 h 54 min
